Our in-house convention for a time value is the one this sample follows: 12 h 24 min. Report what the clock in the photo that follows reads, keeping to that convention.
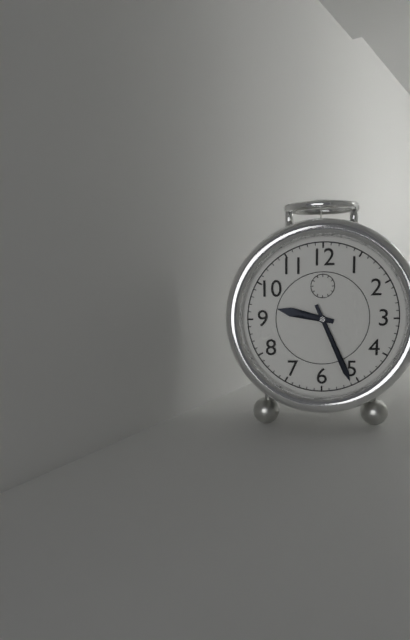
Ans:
9 h 26 min
